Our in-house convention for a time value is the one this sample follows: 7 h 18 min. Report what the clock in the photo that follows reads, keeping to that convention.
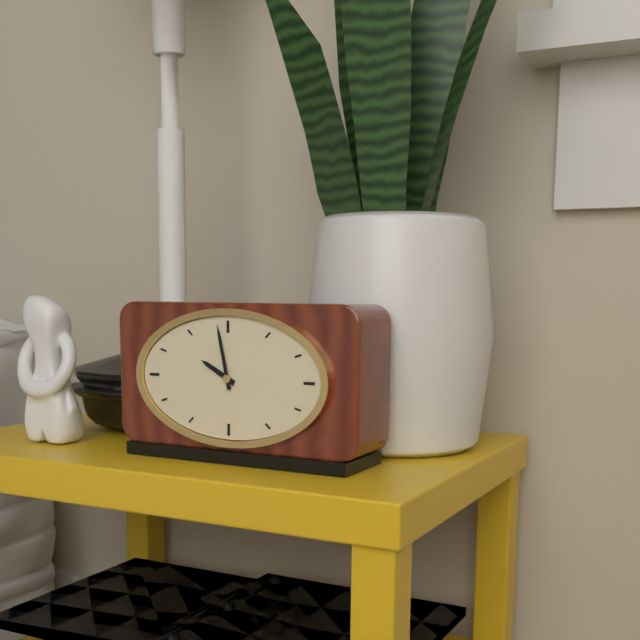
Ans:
9 h 58 min
